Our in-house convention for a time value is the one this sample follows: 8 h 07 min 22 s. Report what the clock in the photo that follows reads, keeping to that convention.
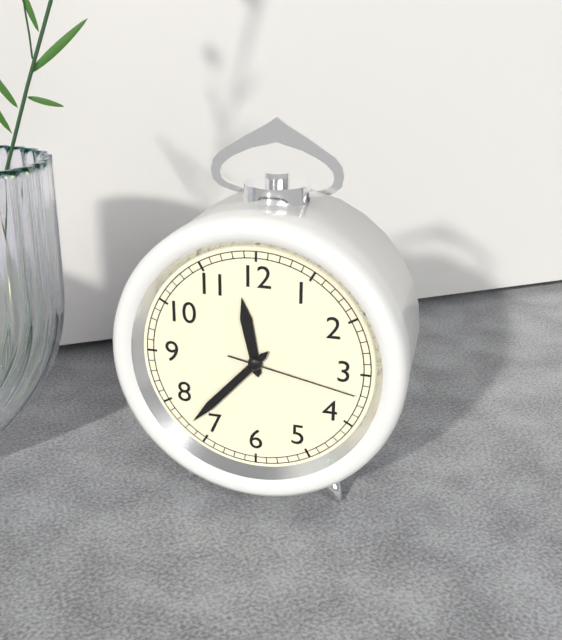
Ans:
11 h 37 min 17 s
